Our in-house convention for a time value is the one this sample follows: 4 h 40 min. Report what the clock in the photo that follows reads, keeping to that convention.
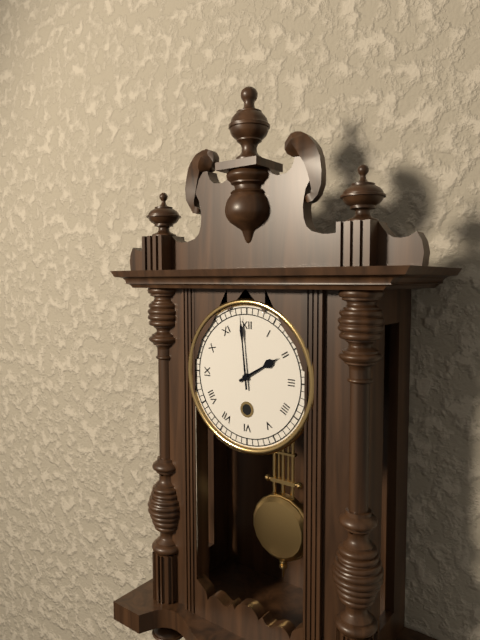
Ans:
1 h 59 min
